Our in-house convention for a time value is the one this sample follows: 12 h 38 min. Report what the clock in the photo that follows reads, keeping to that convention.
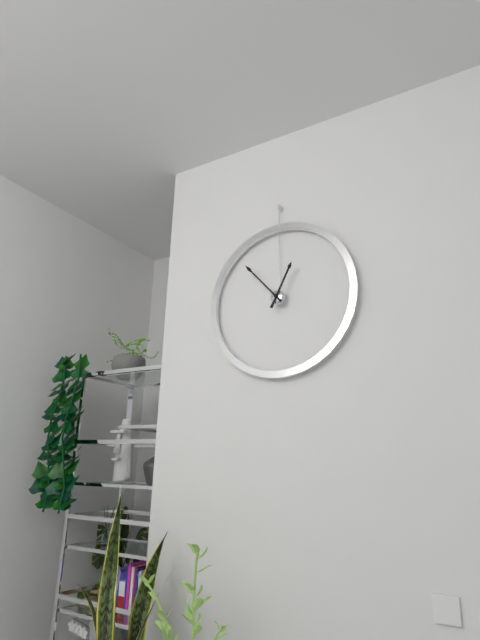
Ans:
12 h 53 min
